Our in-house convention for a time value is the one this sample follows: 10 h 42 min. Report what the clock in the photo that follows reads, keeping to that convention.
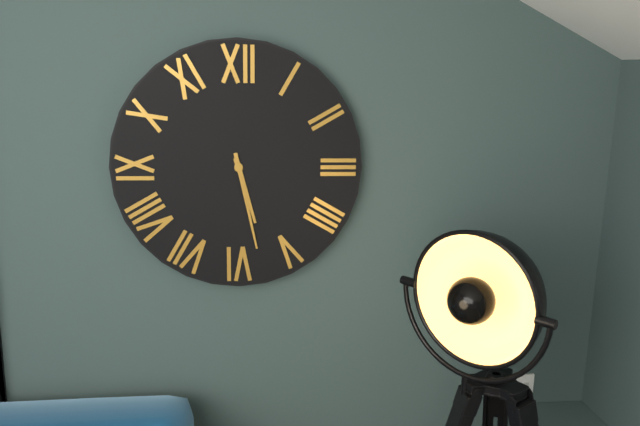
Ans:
5 h 28 min
